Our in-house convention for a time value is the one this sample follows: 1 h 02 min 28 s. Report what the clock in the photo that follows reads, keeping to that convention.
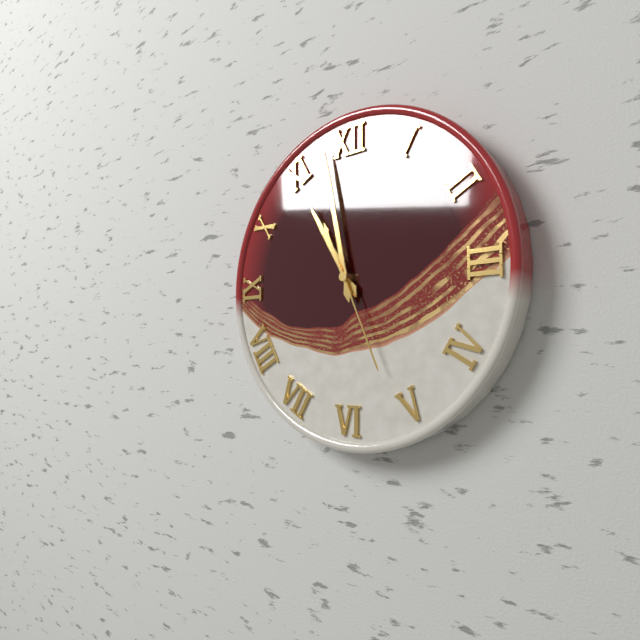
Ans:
10 h 58 min 26 s
